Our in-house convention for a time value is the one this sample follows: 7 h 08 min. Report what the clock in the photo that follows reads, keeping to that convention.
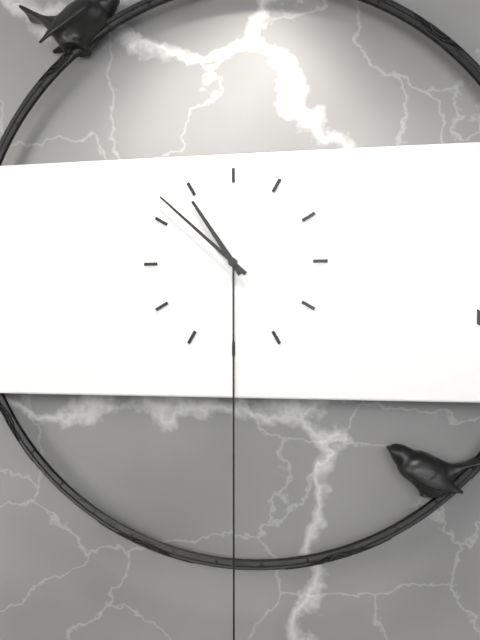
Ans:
10 h 52 min
